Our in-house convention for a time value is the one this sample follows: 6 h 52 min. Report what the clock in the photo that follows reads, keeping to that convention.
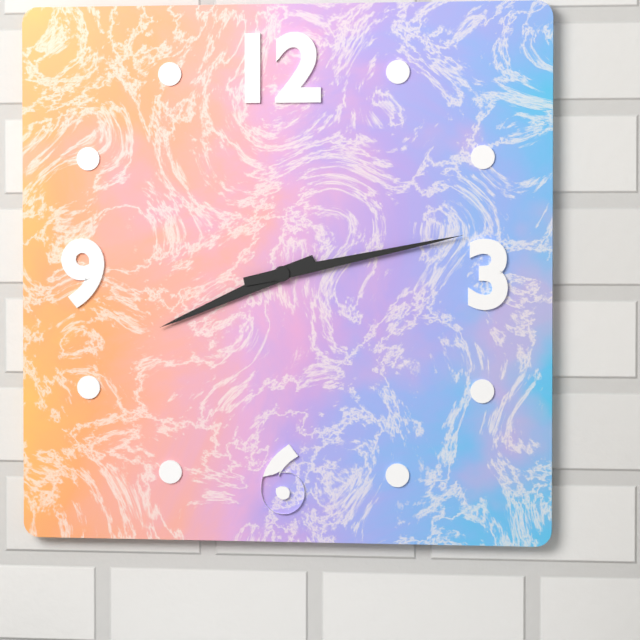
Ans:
8 h 13 min
